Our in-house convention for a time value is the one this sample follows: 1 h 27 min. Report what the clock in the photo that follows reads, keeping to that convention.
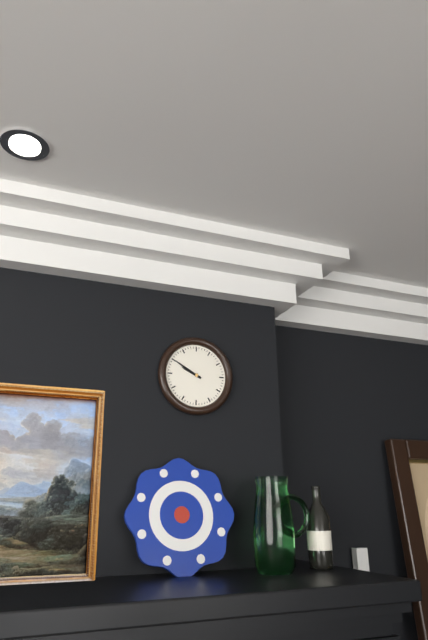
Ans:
9 h 50 min
